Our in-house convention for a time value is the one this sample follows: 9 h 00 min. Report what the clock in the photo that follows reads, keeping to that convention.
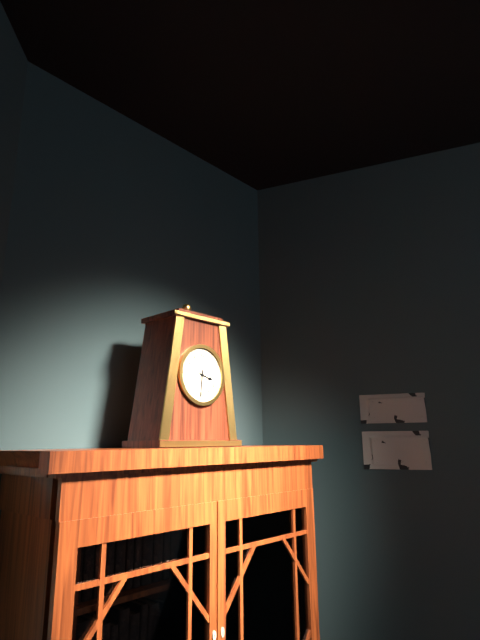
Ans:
3 h 31 min
